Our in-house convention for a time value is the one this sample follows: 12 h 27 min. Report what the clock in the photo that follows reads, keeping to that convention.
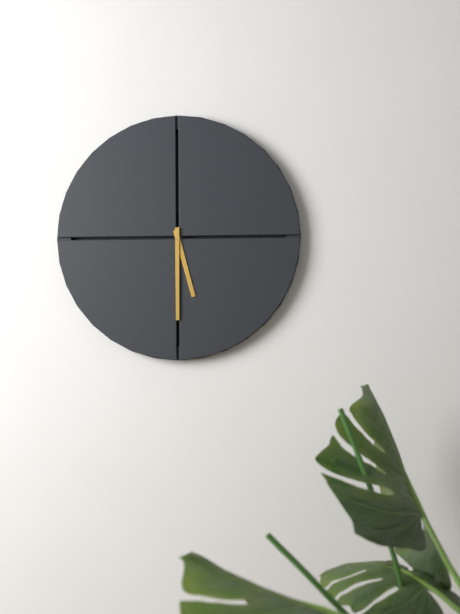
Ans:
5 h 30 min
